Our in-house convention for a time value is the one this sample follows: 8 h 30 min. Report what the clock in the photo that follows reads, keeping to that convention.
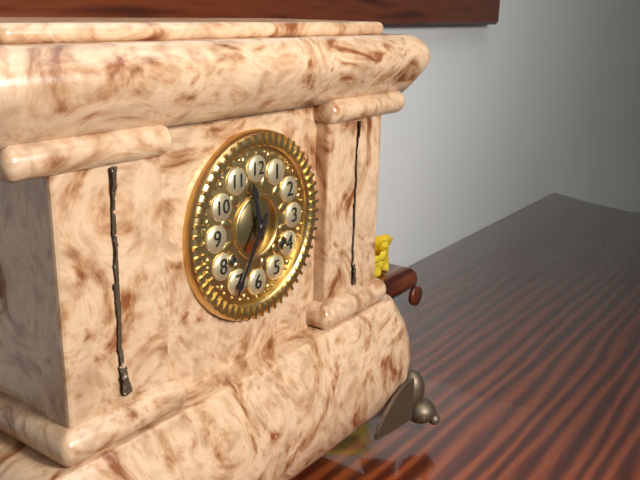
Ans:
11 h 35 min
